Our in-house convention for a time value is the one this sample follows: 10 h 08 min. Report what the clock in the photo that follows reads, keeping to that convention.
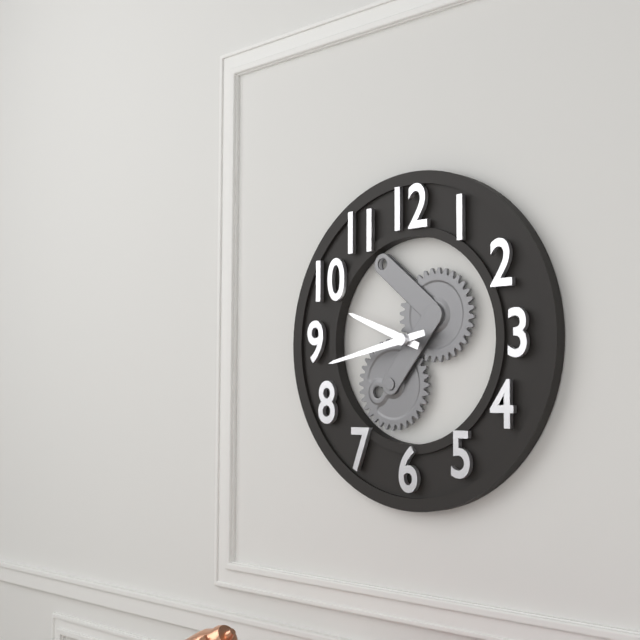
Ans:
9 h 43 min
